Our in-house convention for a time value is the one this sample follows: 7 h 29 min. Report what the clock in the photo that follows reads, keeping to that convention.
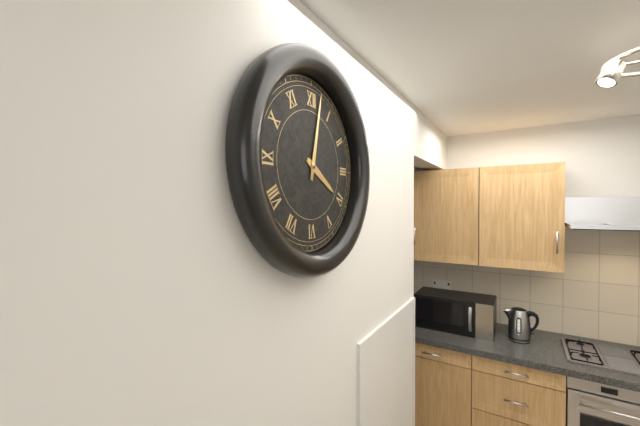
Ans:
4 h 02 min
